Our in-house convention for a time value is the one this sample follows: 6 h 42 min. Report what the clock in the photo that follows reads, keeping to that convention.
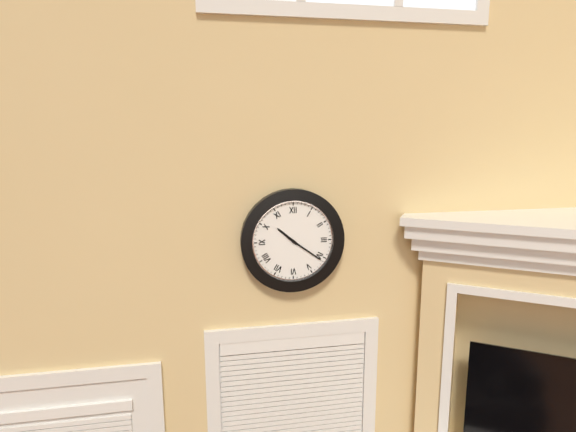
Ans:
10 h 21 min
